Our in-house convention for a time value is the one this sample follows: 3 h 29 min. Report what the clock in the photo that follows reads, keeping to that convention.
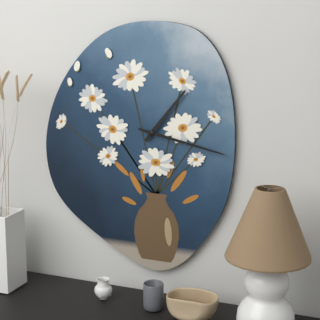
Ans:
1 h 17 min
